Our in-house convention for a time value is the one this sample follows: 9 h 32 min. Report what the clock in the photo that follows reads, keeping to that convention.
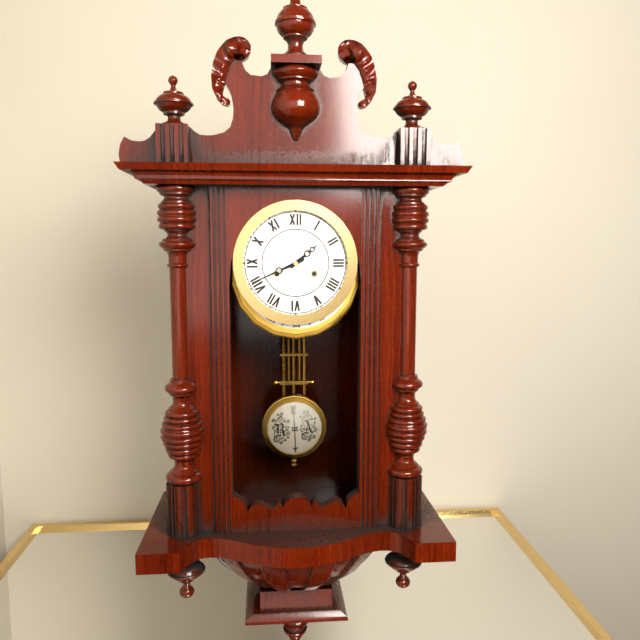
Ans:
1 h 41 min
